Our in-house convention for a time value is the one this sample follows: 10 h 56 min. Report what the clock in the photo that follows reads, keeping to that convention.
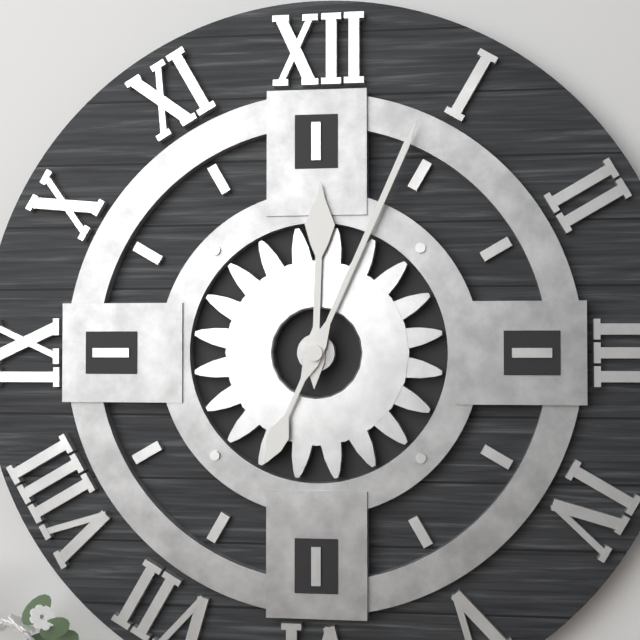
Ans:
12 h 04 min
